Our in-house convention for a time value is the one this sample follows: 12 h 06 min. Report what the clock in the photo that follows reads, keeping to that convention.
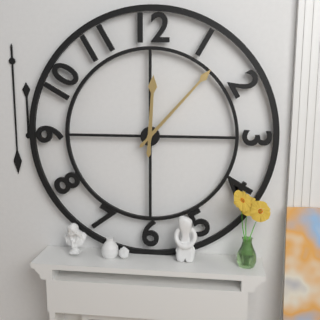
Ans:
12 h 07 min
